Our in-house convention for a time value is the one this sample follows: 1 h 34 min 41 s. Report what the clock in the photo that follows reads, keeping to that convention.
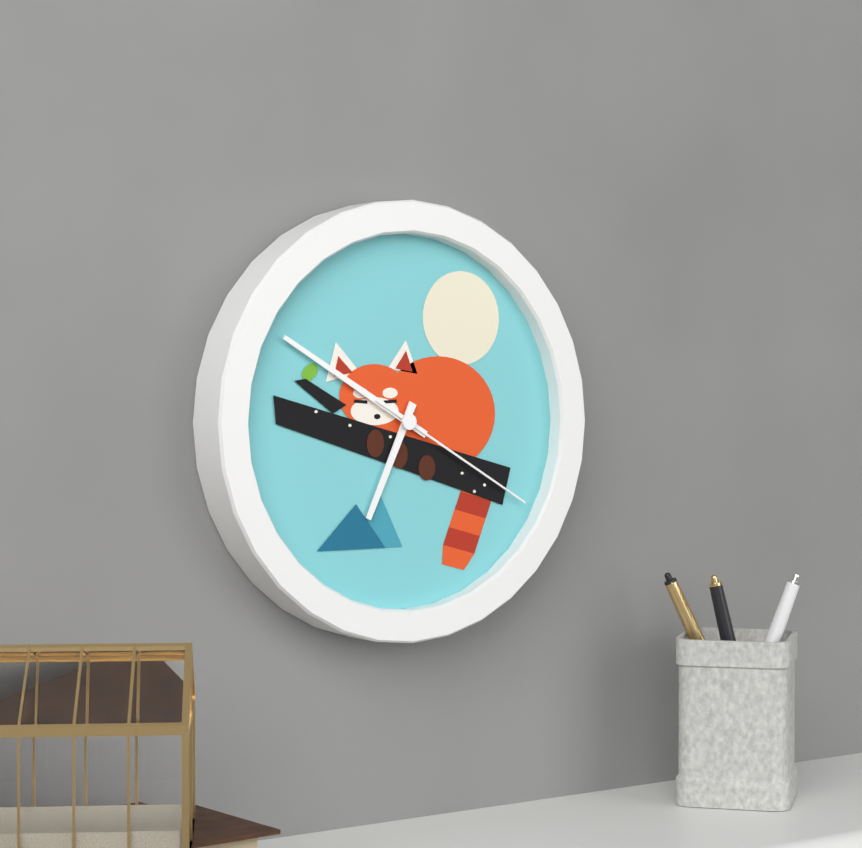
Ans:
6 h 50 min 20 s
